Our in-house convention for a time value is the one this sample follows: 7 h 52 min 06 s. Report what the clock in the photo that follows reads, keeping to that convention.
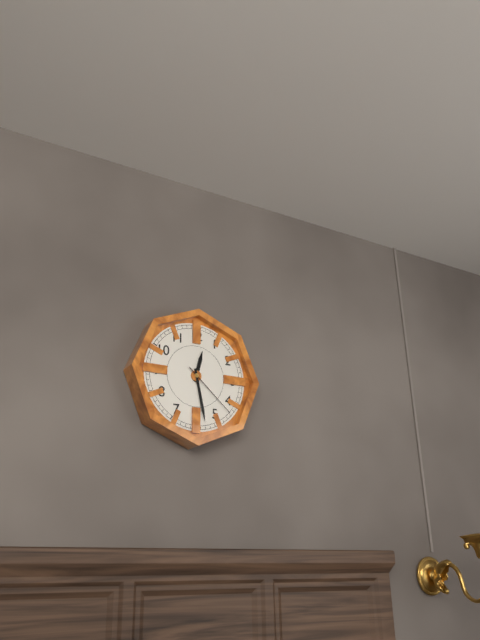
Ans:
12 h 28 min 22 s
